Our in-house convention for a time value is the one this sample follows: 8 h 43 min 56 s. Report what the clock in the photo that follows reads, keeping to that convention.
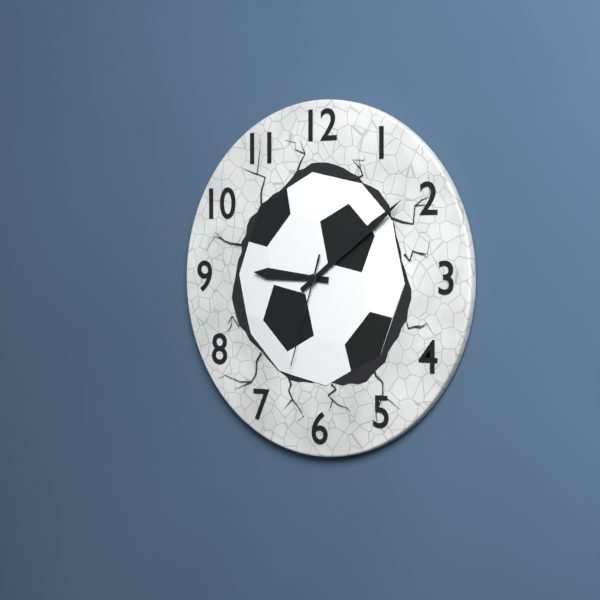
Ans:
9 h 09 min 33 s
